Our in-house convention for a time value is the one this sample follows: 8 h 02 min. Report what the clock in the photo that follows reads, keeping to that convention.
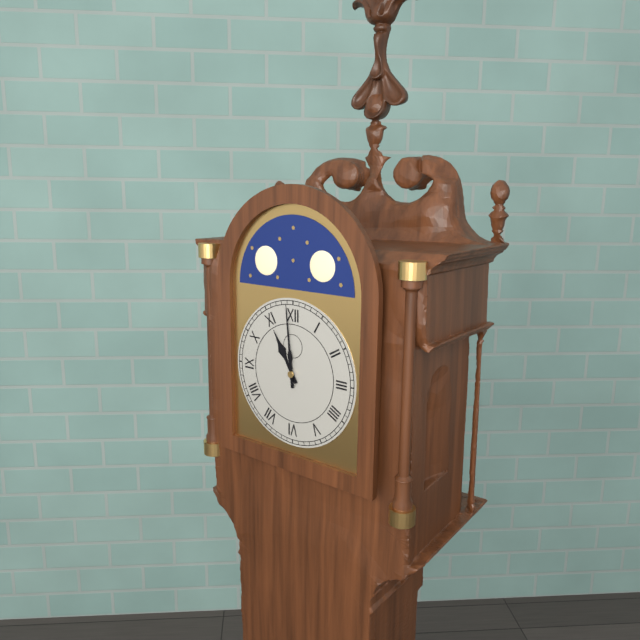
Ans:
10 h 59 min
